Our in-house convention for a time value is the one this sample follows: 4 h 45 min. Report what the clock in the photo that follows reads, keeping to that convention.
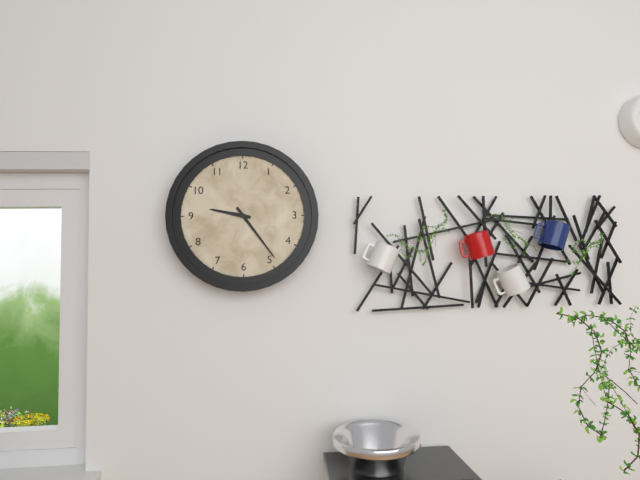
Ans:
9 h 24 min
